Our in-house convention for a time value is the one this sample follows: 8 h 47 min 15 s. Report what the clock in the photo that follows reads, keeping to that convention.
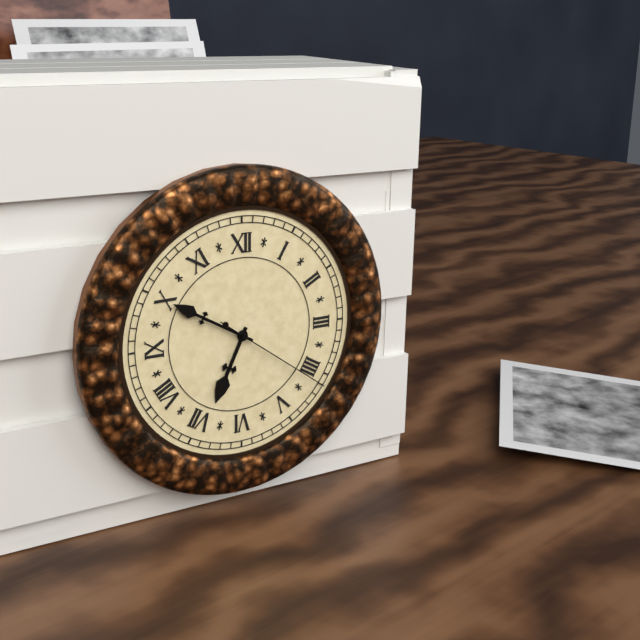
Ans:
6 h 50 min 21 s
